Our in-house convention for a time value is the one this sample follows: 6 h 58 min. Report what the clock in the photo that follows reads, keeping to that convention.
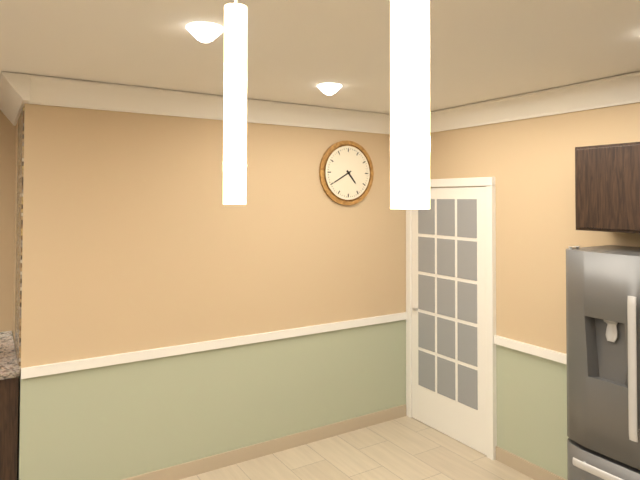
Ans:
4 h 40 min
